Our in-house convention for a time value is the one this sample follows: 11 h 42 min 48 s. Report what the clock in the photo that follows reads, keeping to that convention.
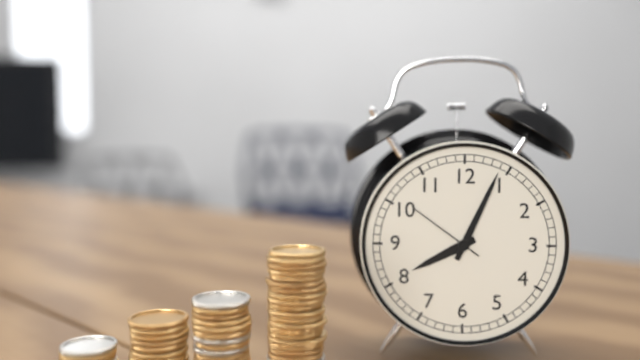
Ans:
8 h 04 min 51 s
